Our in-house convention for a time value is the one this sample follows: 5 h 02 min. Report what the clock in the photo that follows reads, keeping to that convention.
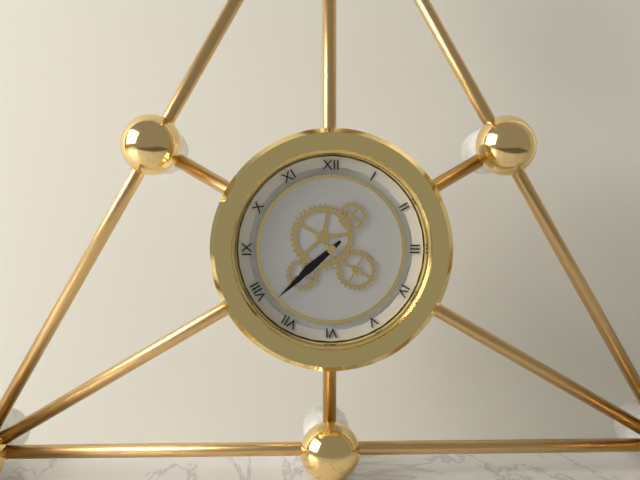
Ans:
7 h 38 min
